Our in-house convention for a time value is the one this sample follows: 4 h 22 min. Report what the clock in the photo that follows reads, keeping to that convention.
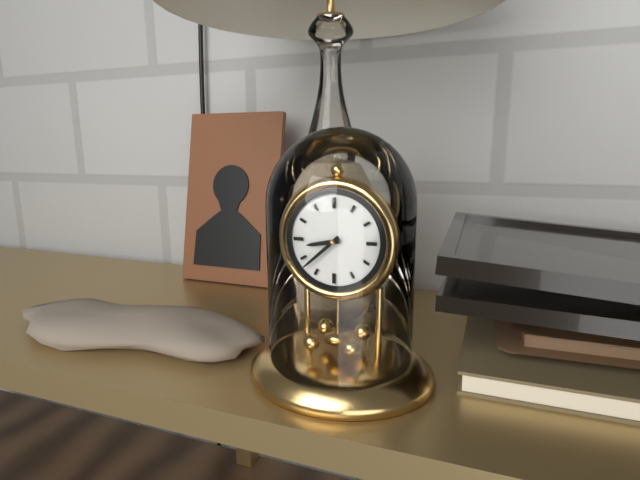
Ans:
8 h 38 min
